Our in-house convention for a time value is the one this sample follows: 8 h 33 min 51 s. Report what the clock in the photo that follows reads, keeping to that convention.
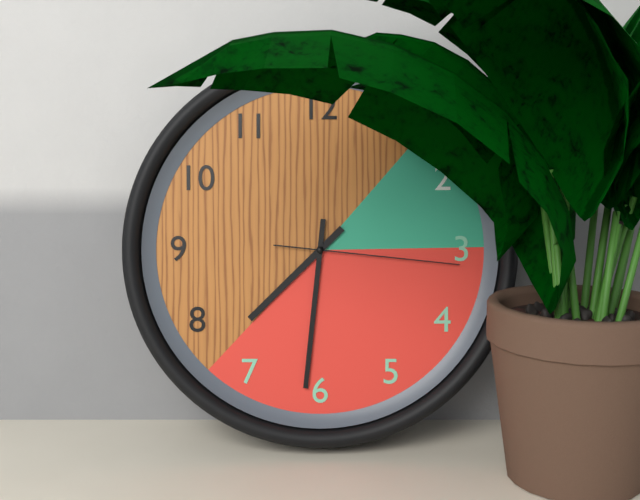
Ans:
7 h 31 min 16 s
